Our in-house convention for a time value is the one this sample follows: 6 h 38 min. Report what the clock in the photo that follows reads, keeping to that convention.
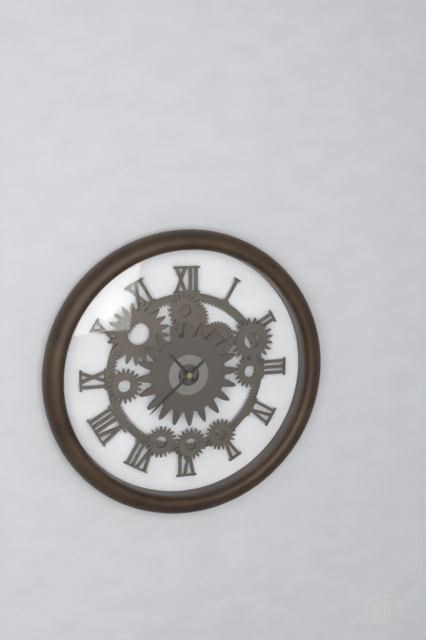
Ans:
10 h 38 min
